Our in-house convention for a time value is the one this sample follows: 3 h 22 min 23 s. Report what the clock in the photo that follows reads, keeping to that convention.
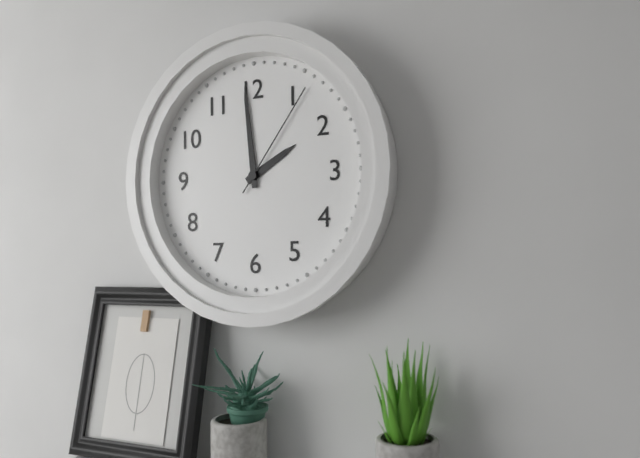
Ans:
1 h 59 min 06 s
